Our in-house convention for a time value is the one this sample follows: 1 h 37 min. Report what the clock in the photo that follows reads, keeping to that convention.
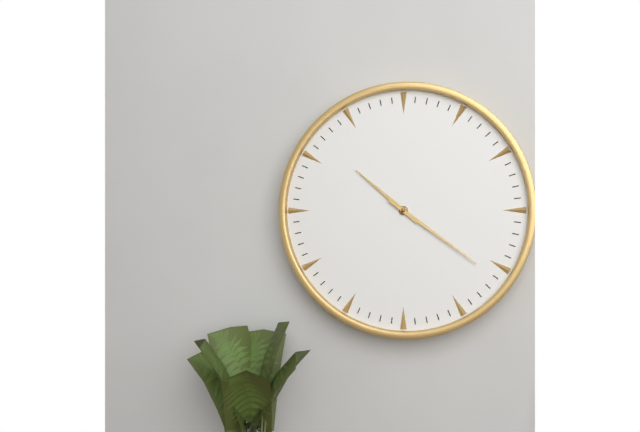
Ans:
10 h 21 min
